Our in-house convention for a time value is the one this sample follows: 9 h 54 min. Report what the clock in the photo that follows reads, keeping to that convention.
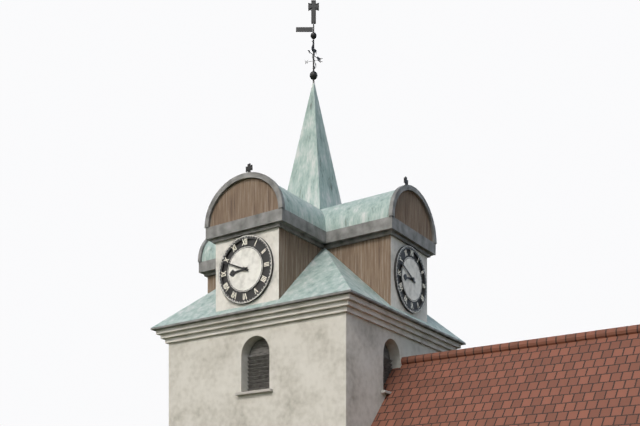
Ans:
8 h 49 min
